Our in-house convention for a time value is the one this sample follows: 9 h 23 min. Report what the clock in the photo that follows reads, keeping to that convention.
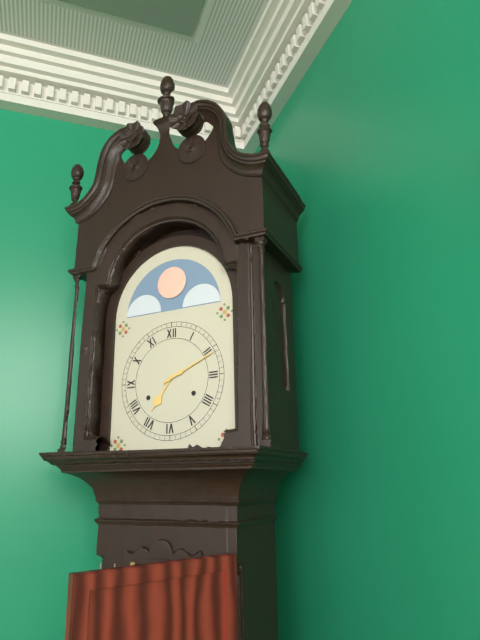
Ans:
7 h 11 min
